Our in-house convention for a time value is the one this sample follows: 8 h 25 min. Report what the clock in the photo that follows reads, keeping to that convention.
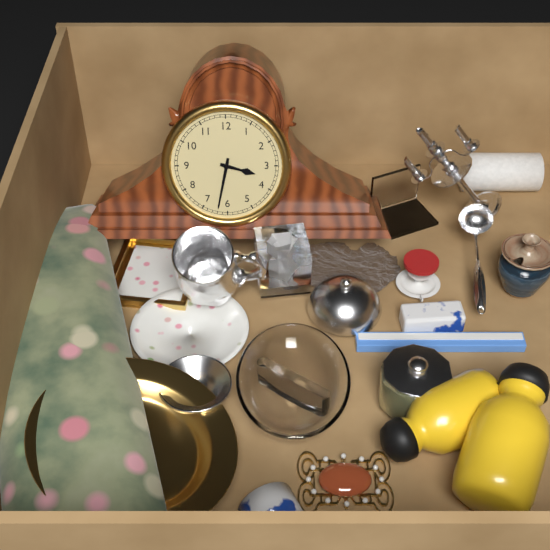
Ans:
3 h 32 min
